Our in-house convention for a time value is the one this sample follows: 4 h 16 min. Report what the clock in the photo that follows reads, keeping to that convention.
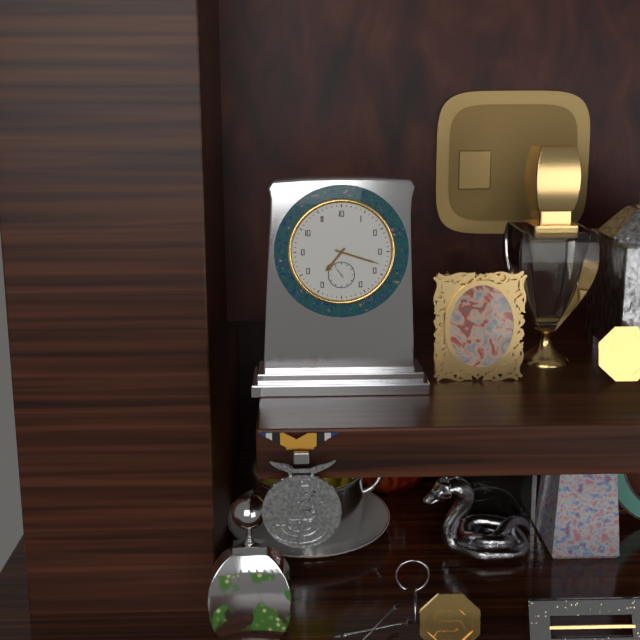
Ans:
7 h 18 min
